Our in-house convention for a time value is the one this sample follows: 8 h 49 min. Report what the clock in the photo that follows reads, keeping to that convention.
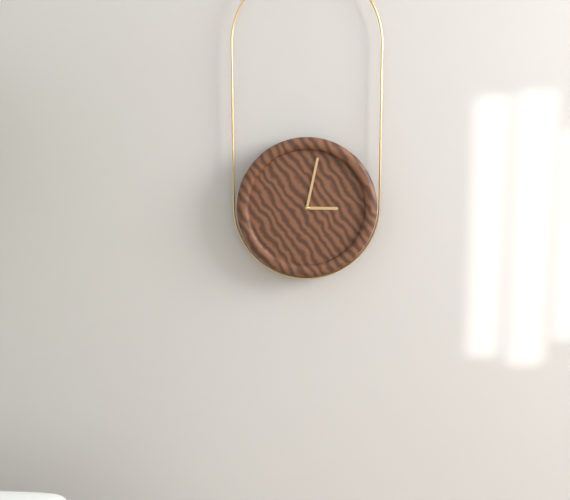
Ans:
3 h 02 min
